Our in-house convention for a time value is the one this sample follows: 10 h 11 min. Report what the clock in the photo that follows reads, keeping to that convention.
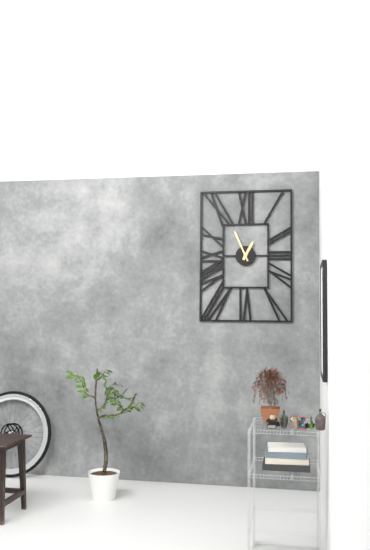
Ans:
12 h 56 min
